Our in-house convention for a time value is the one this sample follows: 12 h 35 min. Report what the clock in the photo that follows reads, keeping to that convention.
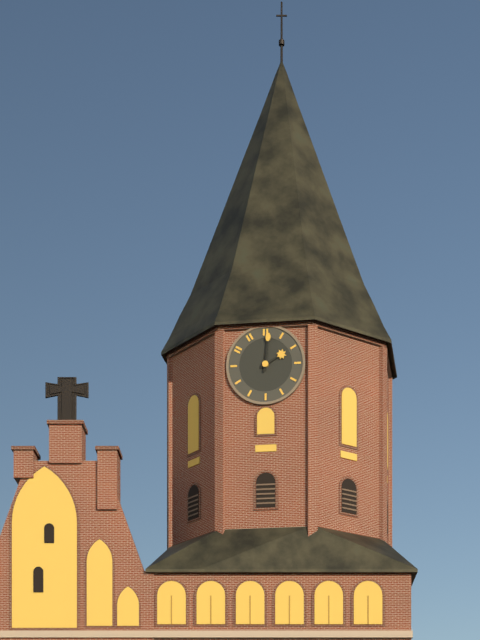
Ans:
2 h 01 min
